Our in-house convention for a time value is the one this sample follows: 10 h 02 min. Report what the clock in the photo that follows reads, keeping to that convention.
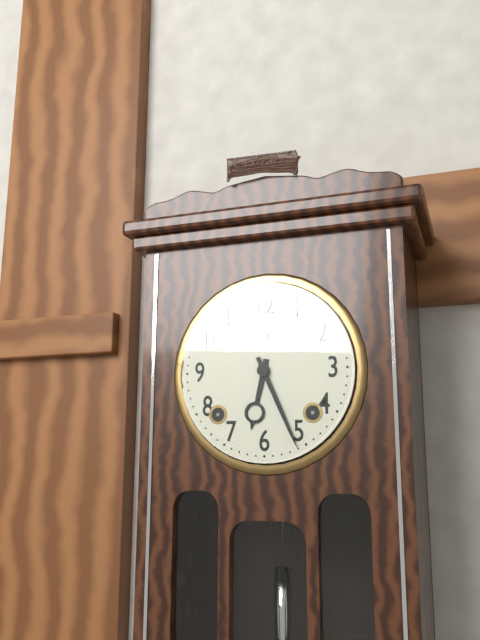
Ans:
6 h 26 min
